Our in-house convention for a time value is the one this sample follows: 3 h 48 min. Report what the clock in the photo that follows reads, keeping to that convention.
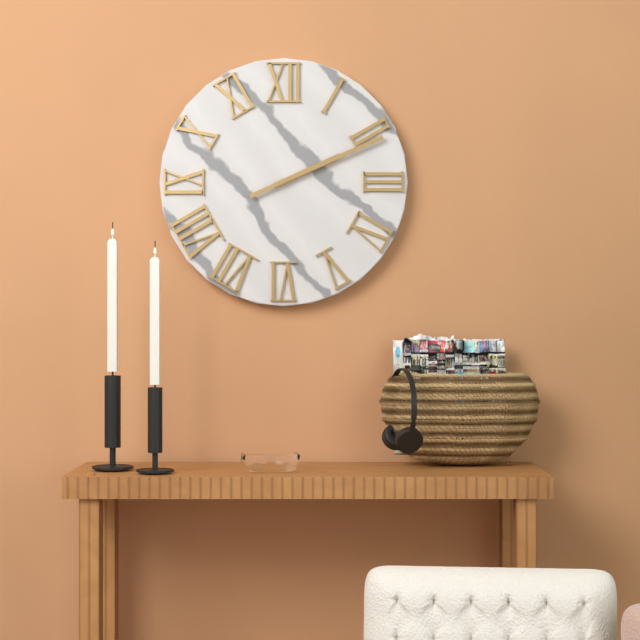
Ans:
2 h 11 min
